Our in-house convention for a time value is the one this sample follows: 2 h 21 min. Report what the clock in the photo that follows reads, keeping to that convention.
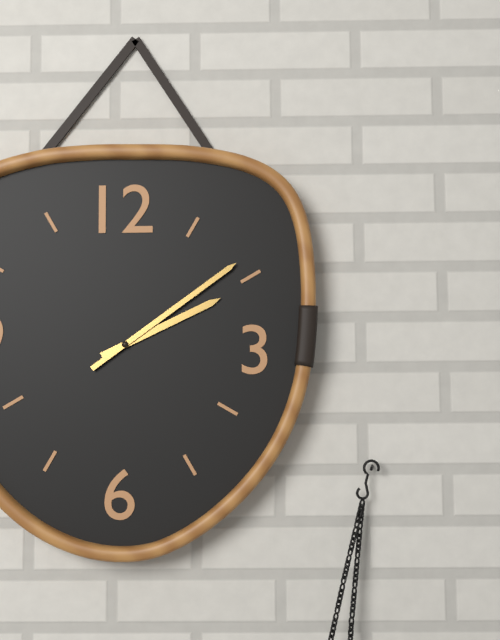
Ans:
2 h 09 min
